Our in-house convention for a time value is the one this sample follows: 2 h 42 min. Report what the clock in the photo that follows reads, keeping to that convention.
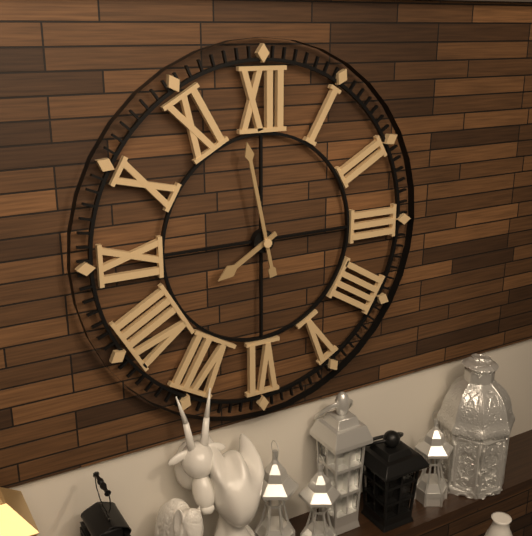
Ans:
7 h 58 min
